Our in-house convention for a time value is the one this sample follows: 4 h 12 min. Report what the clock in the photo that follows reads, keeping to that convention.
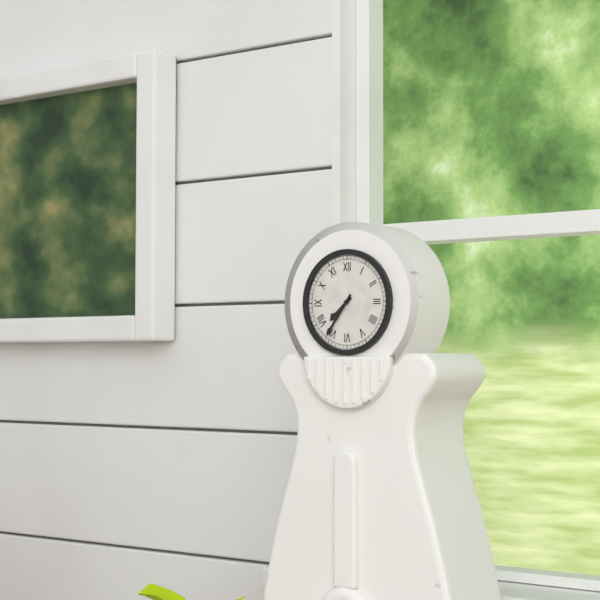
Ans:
7 h 36 min
